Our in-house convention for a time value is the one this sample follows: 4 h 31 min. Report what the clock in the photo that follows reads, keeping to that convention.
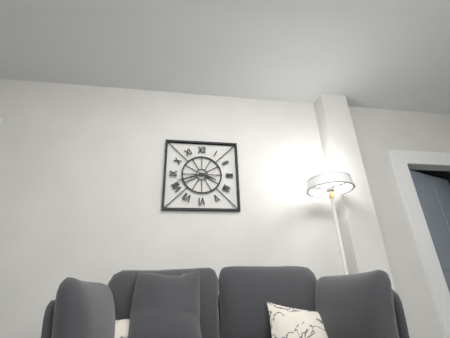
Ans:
3 h 42 min
